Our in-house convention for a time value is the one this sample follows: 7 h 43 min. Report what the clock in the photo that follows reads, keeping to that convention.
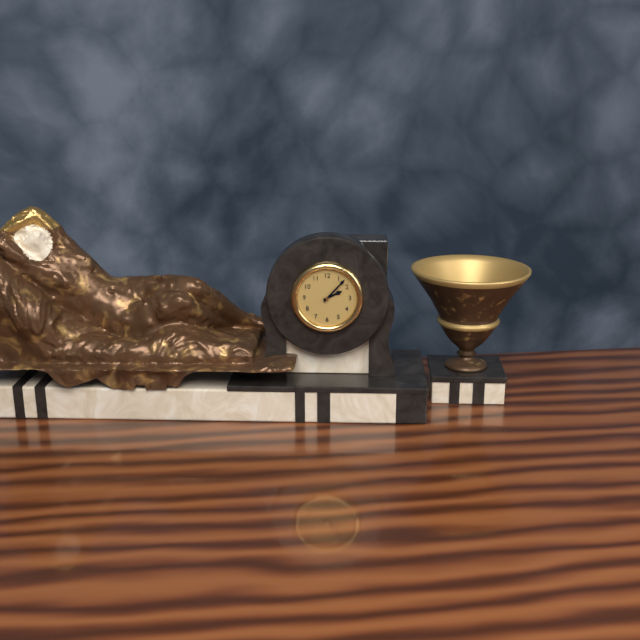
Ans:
2 h 07 min
